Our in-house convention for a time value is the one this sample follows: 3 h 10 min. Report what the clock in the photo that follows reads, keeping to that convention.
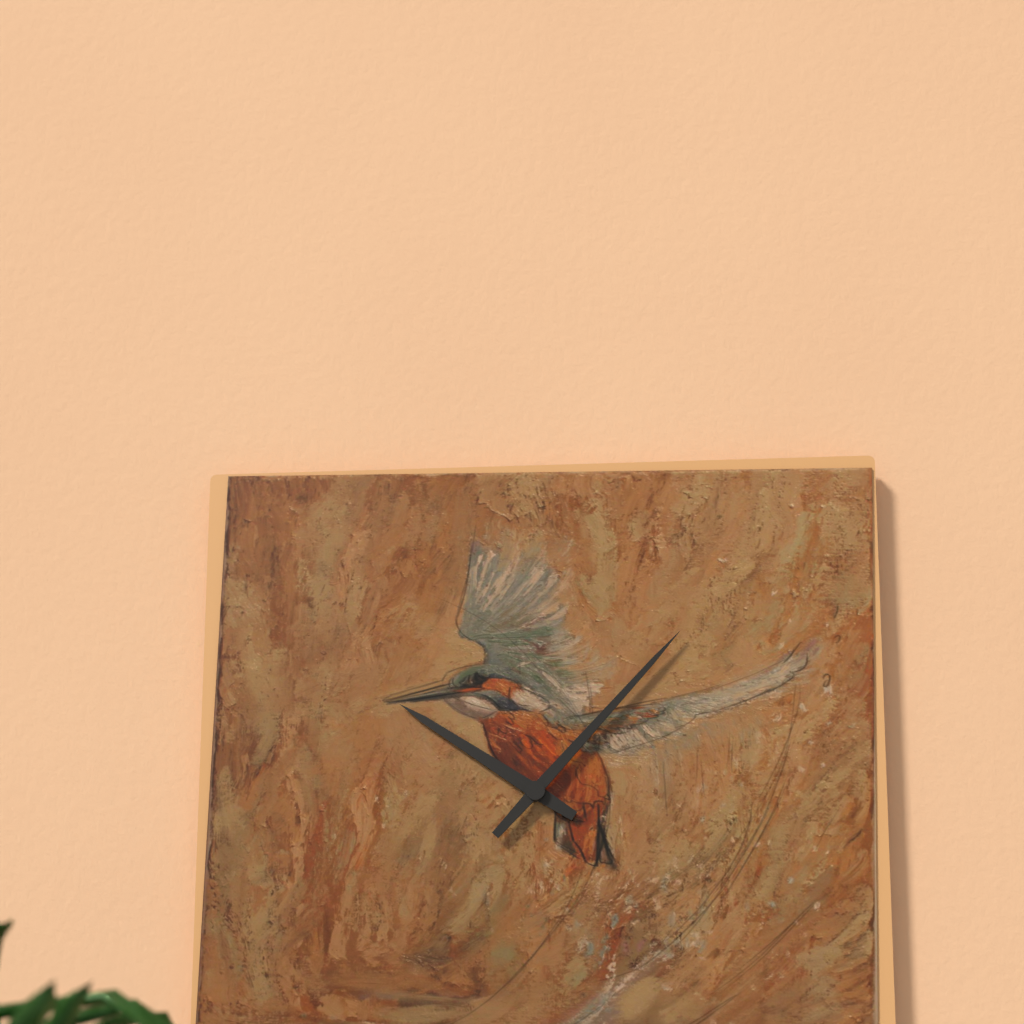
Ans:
10 h 07 min
